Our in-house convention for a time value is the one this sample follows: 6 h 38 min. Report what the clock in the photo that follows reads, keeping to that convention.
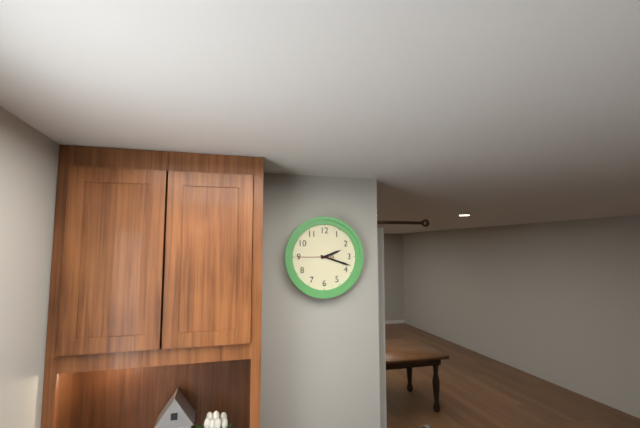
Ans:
2 h 18 min
